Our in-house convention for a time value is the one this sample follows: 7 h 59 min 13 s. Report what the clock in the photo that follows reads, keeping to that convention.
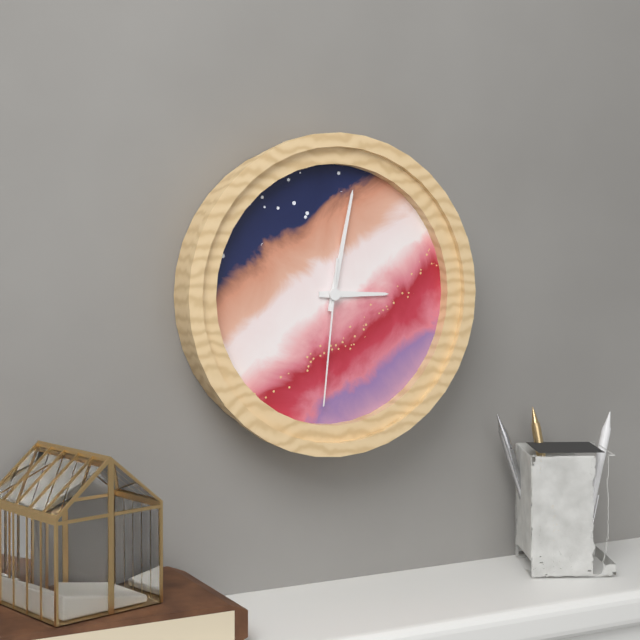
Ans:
3 h 02 min 31 s
